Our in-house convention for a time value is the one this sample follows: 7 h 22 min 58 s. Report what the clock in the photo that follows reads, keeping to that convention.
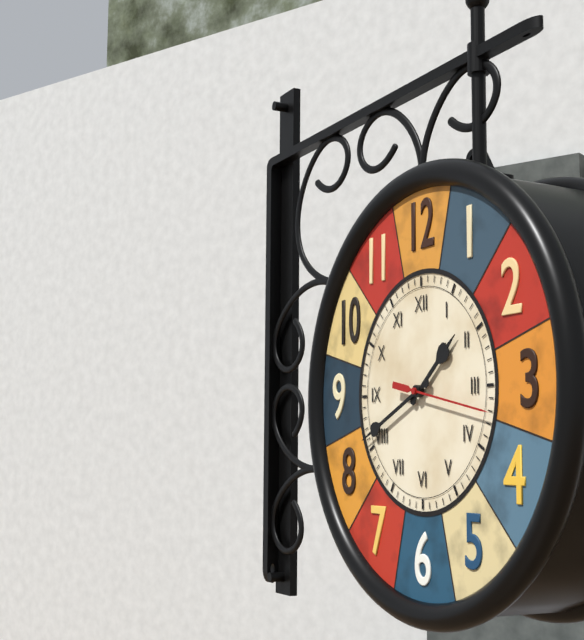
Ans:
1 h 41 min 17 s
